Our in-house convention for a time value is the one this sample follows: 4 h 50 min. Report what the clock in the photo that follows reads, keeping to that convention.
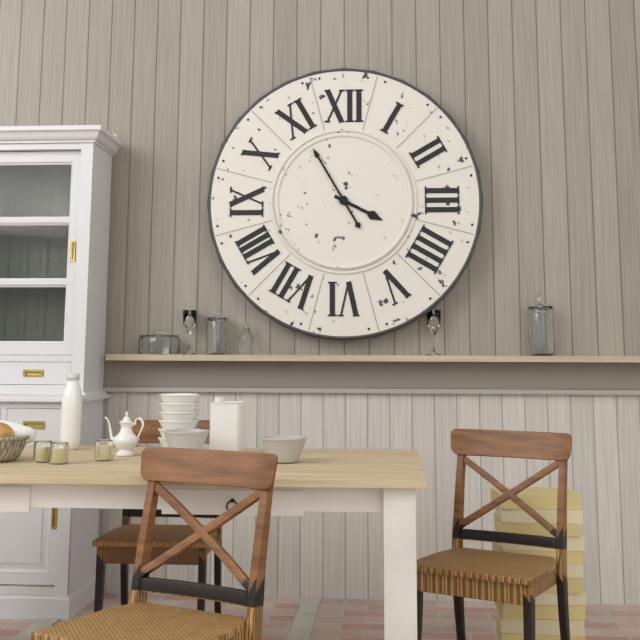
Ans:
3 h 55 min
